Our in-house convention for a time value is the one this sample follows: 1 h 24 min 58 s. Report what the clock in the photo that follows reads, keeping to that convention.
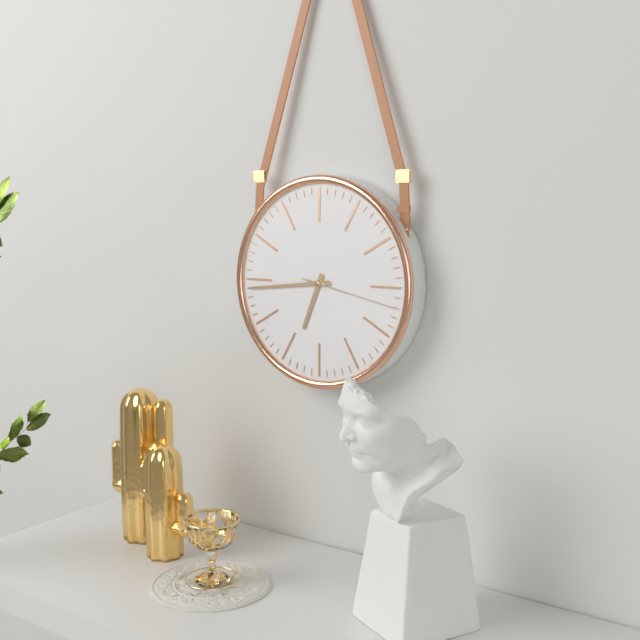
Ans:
6 h 44 min 17 s
